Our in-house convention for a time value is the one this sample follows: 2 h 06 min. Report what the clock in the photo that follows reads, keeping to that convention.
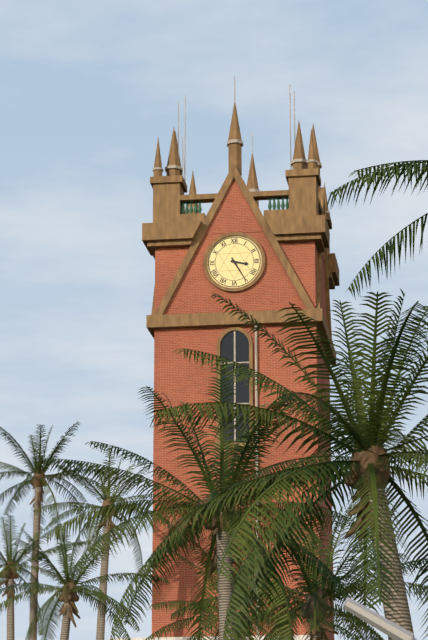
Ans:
3 h 25 min
